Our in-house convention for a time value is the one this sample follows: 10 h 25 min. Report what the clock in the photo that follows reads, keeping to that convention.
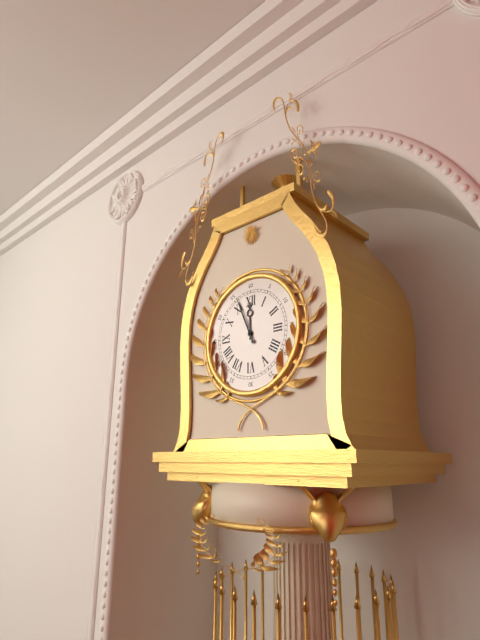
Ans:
11 h 56 min
